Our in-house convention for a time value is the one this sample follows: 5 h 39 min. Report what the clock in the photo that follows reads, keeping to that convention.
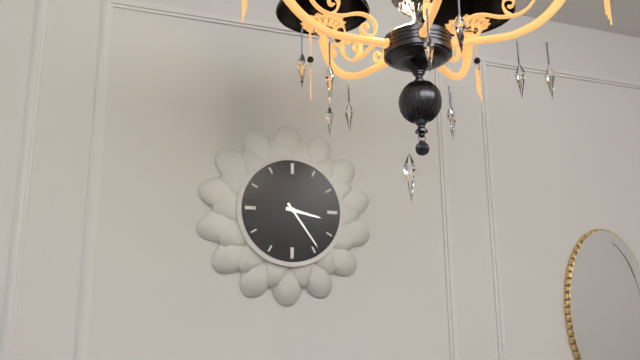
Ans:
3 h 24 min
